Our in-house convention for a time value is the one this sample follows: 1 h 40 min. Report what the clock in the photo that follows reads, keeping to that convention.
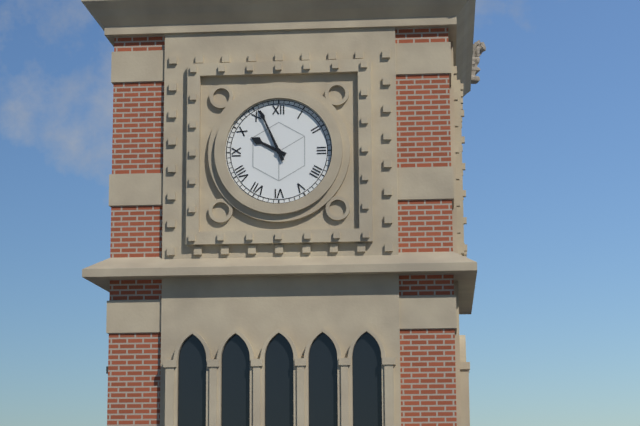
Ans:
9 h 56 min
